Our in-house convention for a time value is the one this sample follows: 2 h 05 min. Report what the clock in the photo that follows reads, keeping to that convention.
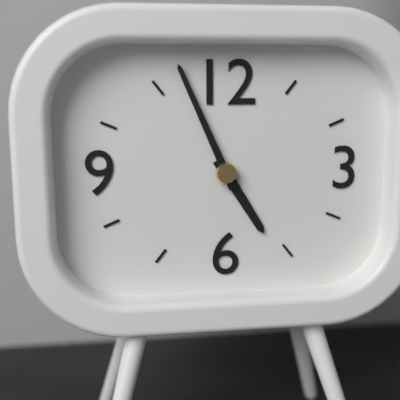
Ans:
4 h 56 min
